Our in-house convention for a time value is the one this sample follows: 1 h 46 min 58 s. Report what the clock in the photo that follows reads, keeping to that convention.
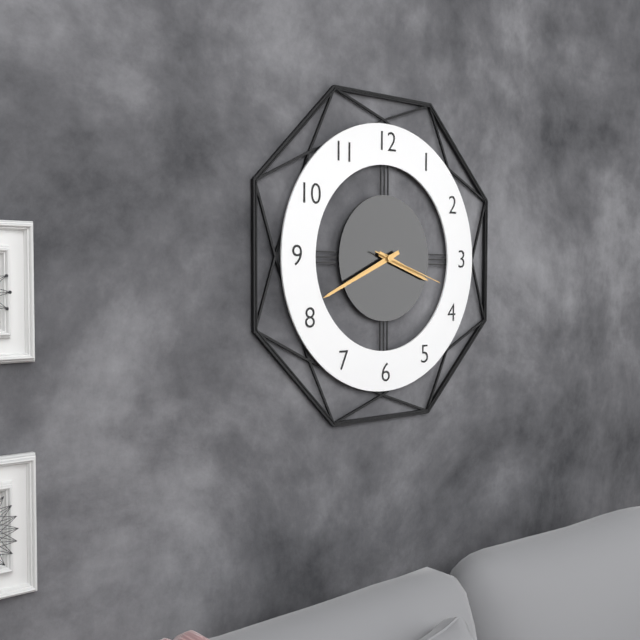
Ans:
3 h 41 min 18 s
